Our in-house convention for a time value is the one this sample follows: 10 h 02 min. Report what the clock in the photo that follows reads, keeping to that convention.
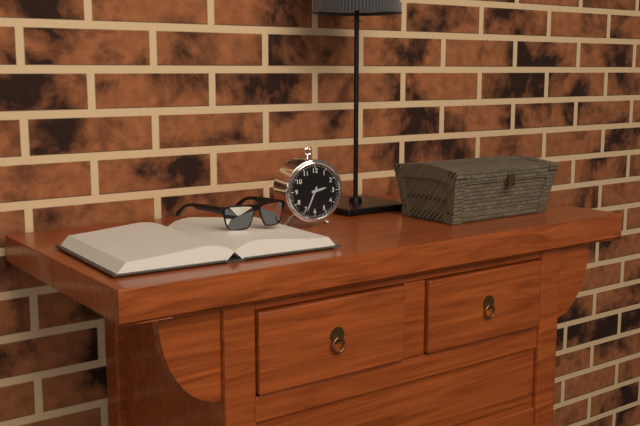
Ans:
2 h 34 min
